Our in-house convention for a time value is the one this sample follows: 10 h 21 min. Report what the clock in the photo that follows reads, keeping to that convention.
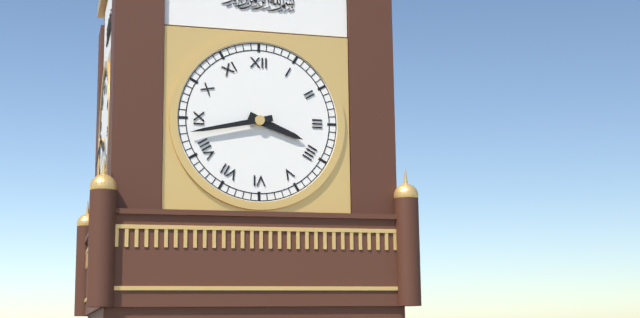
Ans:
3 h 43 min
